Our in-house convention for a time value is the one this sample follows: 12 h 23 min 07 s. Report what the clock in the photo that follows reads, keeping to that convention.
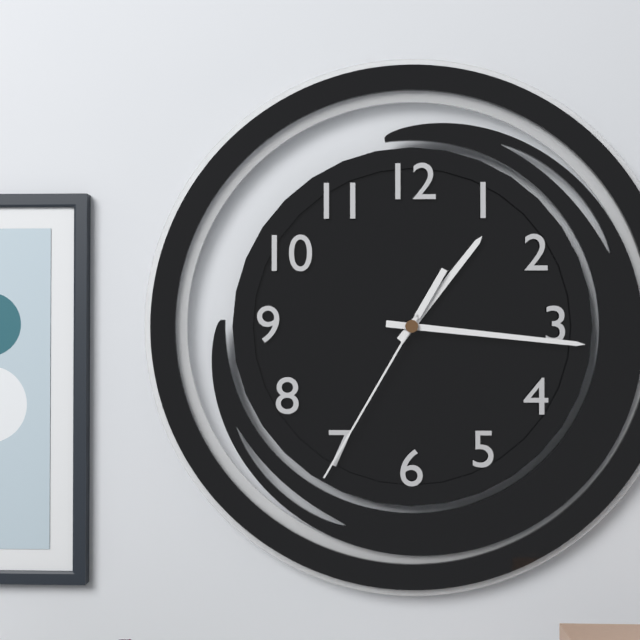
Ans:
1 h 16 min 35 s
